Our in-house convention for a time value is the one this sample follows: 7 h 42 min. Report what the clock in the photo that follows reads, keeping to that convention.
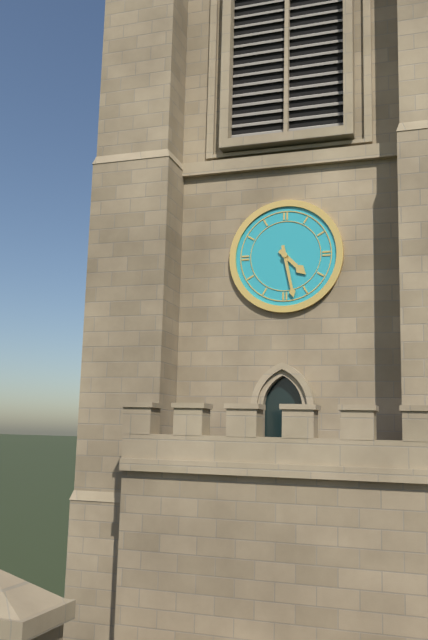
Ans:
4 h 28 min
